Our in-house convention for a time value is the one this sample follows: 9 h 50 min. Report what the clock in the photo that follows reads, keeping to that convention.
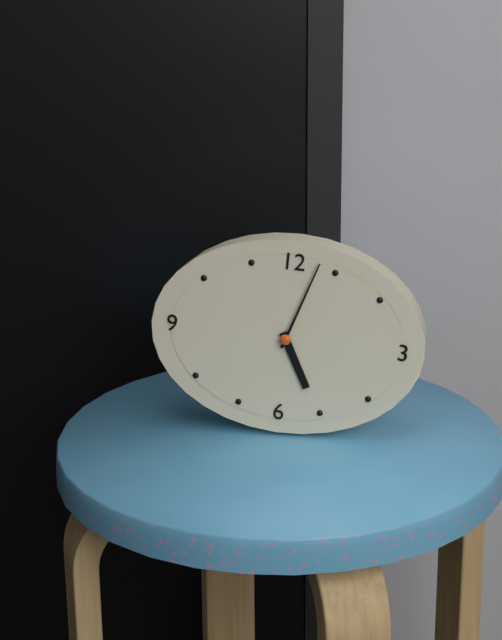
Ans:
5 h 03 min
